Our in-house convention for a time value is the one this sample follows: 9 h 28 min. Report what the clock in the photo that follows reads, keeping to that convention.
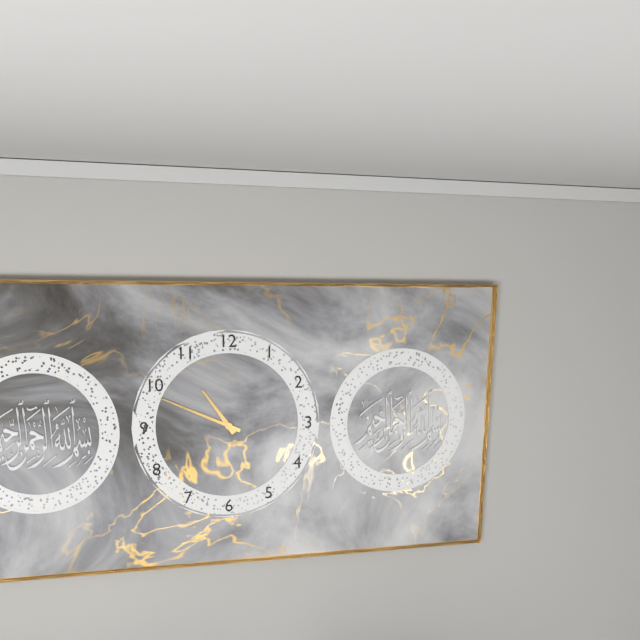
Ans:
10 h 49 min
